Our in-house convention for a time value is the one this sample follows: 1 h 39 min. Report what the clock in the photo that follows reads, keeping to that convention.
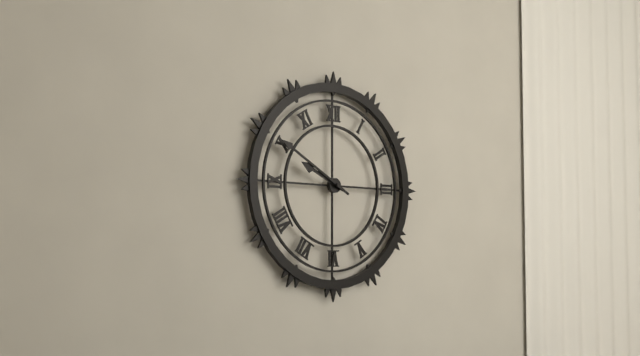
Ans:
9 h 50 min
